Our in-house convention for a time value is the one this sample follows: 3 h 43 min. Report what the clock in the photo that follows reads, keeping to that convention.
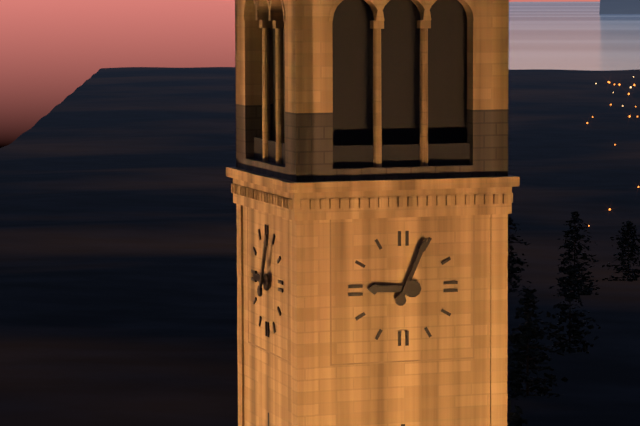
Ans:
9 h 04 min
